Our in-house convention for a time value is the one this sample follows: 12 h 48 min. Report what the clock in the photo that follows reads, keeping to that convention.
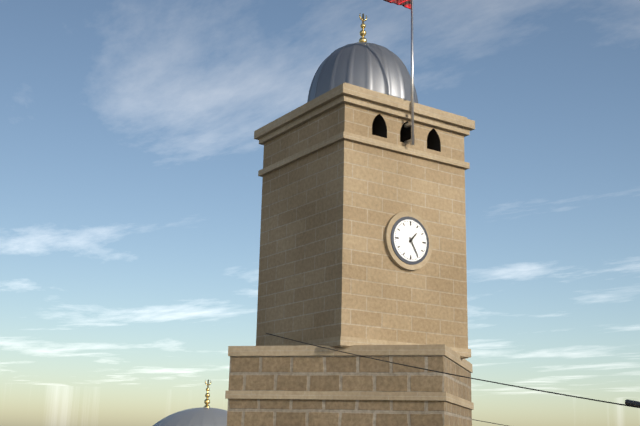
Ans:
1 h 25 min
